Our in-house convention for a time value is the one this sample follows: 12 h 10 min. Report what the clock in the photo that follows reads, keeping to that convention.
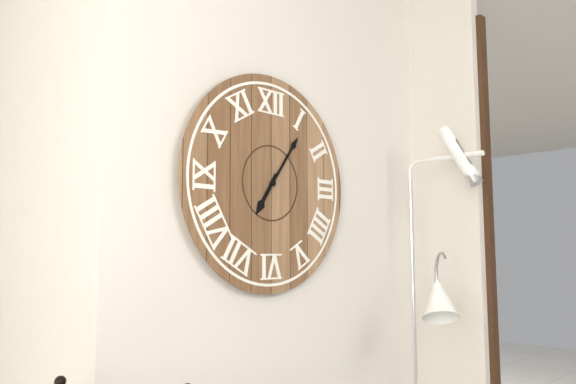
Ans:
7 h 06 min
